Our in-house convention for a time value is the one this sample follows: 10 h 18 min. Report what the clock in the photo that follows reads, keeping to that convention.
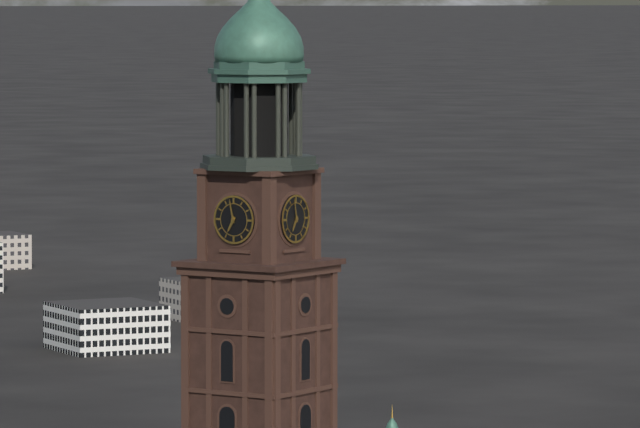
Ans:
6 h 58 min
